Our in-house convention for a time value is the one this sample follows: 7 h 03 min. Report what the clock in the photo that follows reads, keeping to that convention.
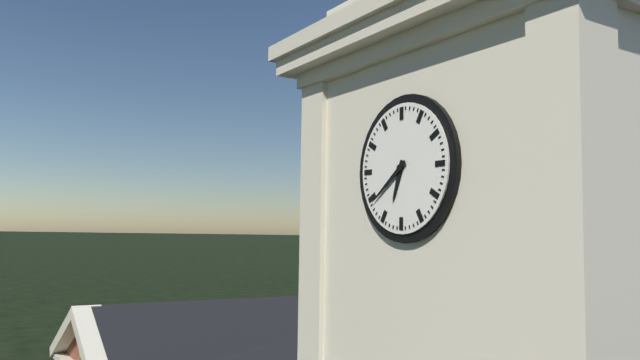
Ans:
6 h 39 min
